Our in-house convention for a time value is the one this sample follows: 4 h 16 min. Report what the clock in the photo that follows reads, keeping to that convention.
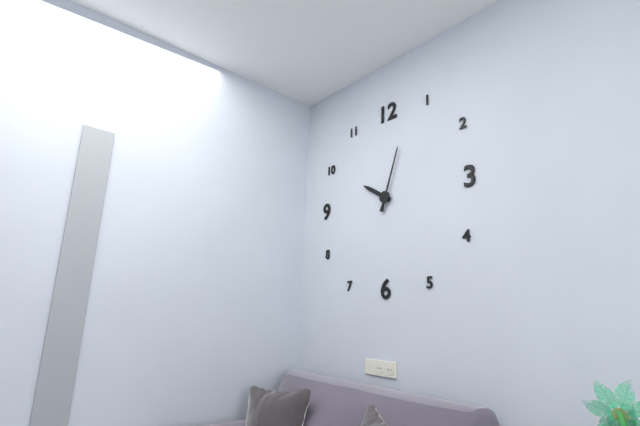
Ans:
10 h 03 min
